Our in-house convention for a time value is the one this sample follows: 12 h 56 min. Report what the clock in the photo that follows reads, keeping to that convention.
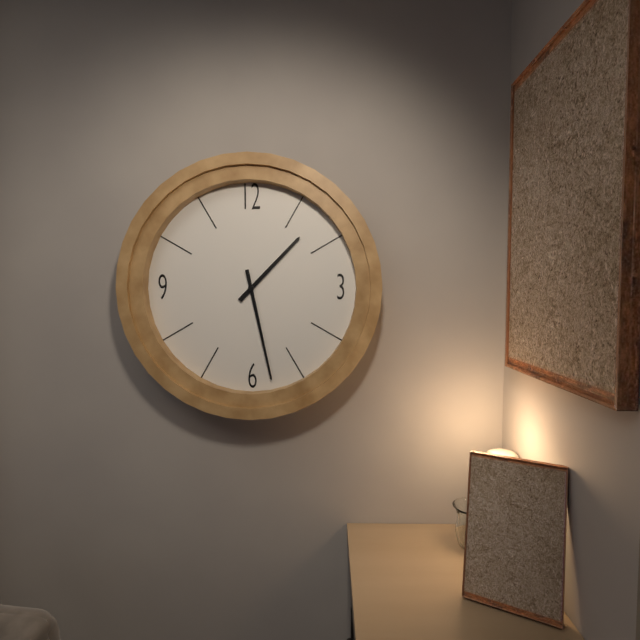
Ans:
1 h 28 min
